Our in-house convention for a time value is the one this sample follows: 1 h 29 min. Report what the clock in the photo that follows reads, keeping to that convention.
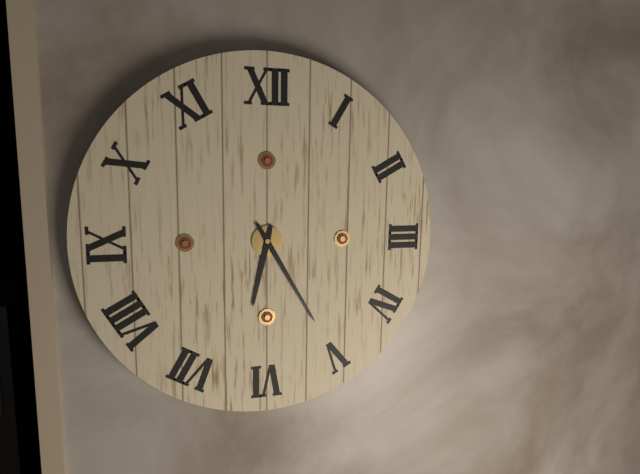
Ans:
6 h 25 min
